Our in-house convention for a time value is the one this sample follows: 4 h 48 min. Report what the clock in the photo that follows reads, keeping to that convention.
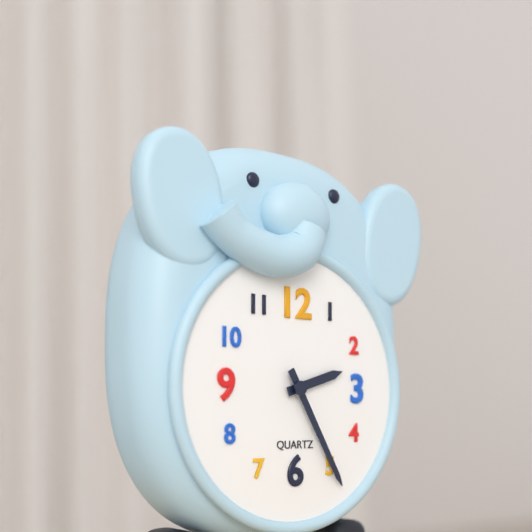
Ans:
2 h 25 min
